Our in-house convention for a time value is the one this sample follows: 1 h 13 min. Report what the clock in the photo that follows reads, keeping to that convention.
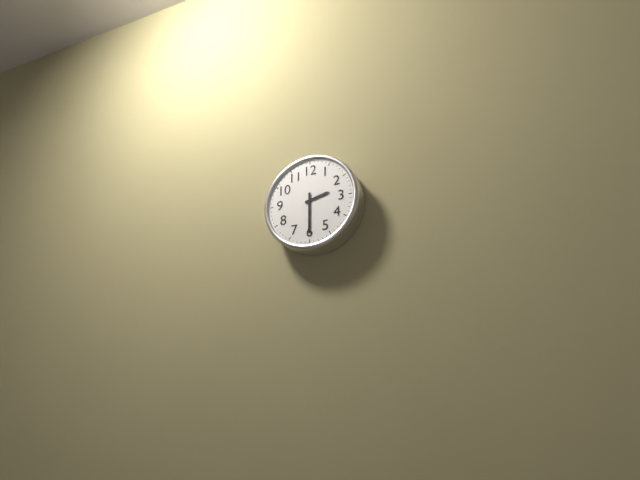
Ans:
2 h 30 min
